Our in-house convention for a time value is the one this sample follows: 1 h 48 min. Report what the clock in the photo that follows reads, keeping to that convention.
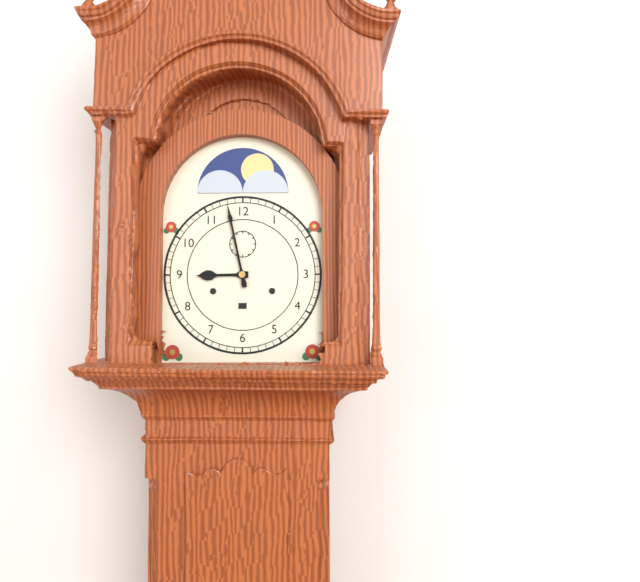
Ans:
8 h 58 min
